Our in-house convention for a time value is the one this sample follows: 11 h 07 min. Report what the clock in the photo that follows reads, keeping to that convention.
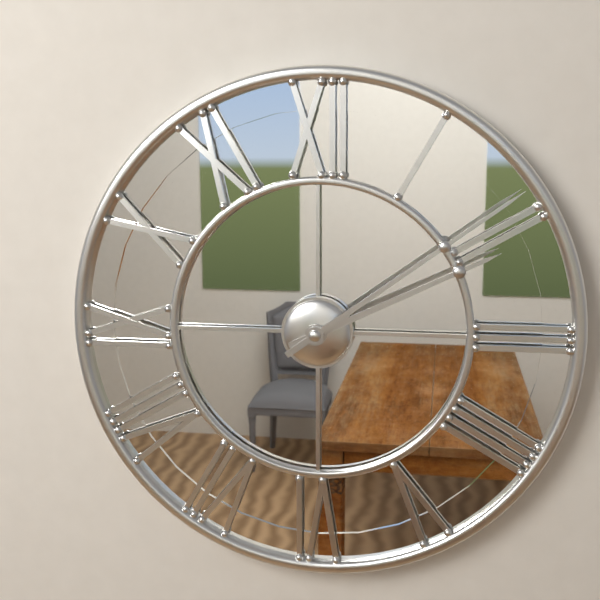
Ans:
2 h 09 min
